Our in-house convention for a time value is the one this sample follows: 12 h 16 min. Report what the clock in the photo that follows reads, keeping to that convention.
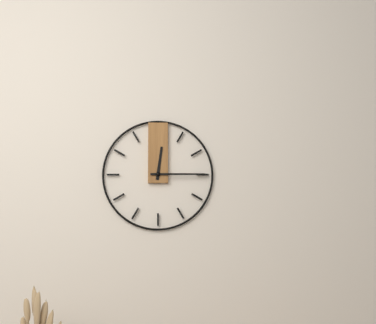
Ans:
12 h 15 min
